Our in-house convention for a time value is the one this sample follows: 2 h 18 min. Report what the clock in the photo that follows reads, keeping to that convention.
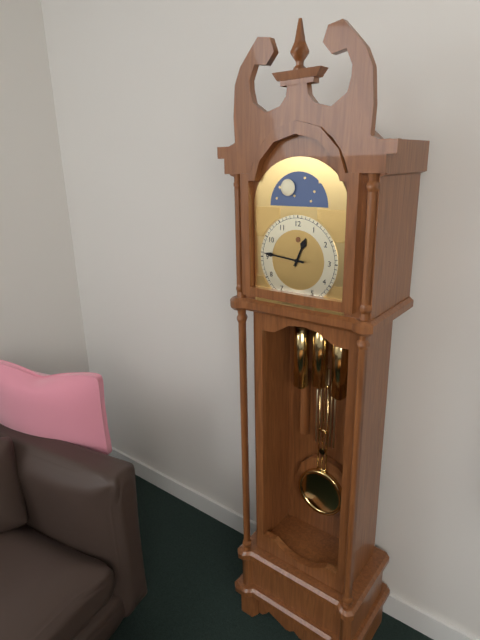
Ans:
12 h 46 min
